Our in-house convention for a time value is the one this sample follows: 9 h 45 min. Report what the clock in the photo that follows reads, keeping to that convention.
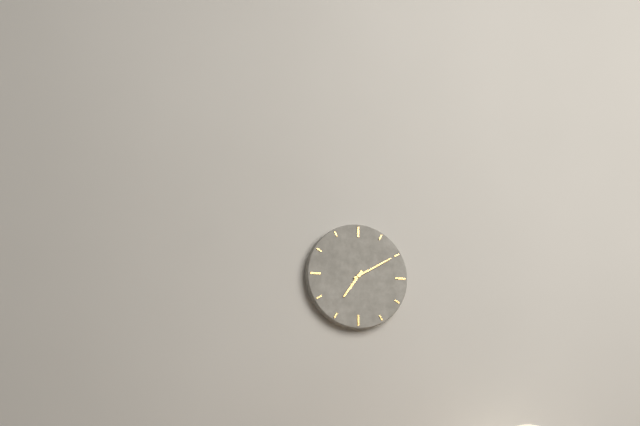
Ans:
7 h 10 min
